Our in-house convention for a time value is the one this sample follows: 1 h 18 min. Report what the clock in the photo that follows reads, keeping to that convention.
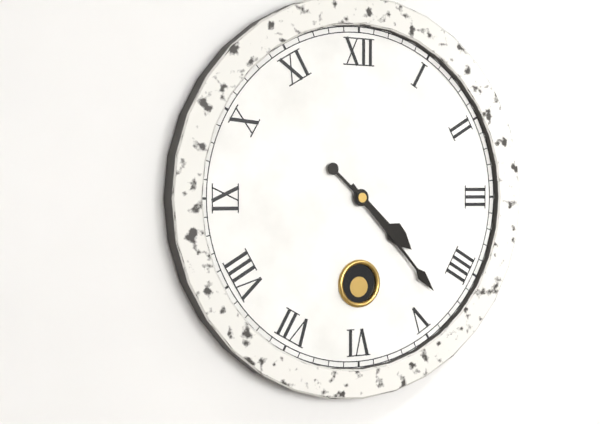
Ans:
4 h 23 min
